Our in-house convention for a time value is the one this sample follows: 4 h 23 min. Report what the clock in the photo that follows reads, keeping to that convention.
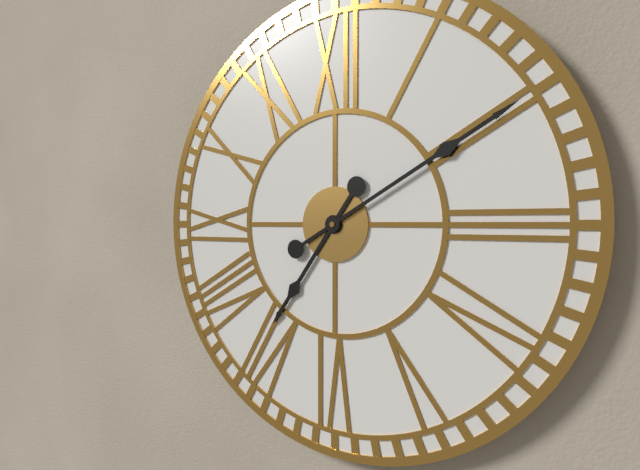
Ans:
7 h 10 min
